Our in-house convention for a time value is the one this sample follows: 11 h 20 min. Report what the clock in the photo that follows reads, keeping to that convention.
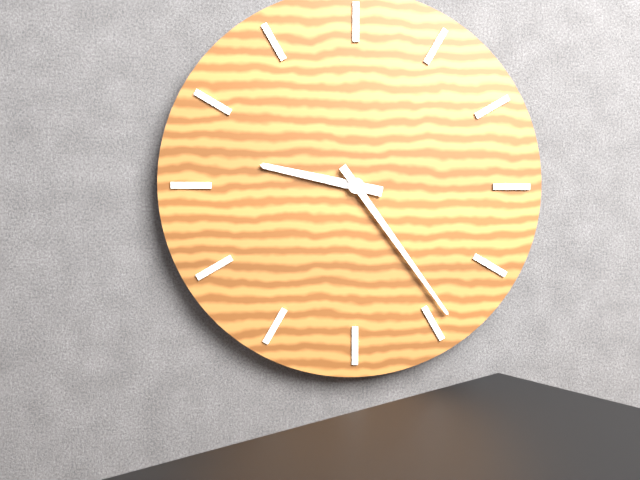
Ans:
9 h 24 min
